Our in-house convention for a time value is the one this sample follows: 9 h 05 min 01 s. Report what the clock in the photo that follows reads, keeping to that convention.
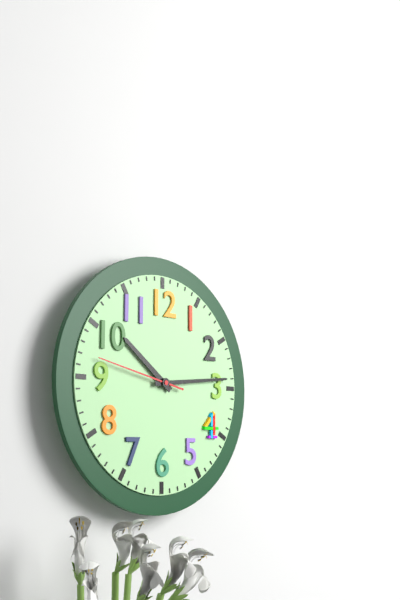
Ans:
10 h 14 min 47 s
